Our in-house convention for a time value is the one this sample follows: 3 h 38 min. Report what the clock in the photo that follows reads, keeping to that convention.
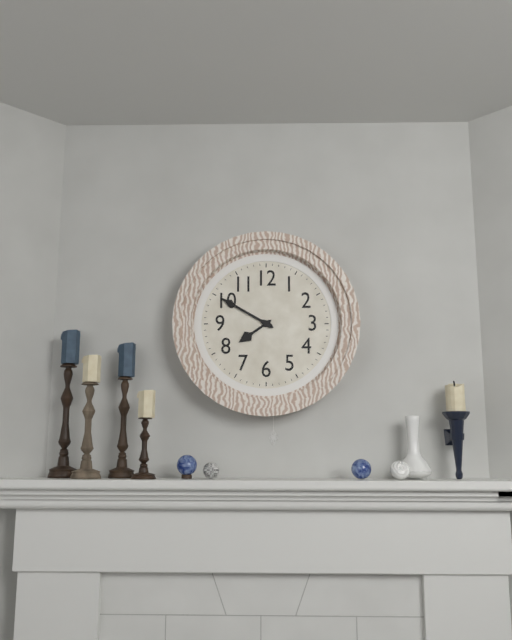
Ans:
7 h 50 min
